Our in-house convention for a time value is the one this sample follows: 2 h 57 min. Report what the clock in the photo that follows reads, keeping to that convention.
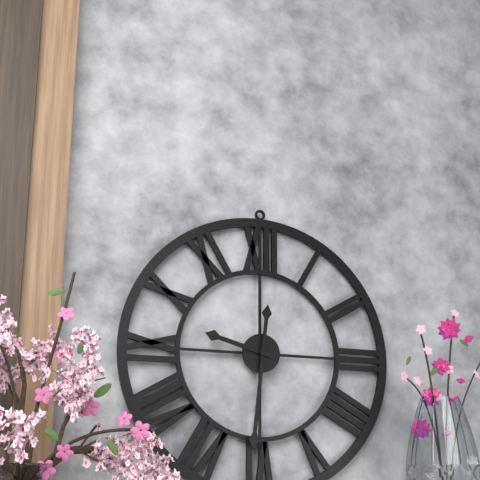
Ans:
9 h 31 min
